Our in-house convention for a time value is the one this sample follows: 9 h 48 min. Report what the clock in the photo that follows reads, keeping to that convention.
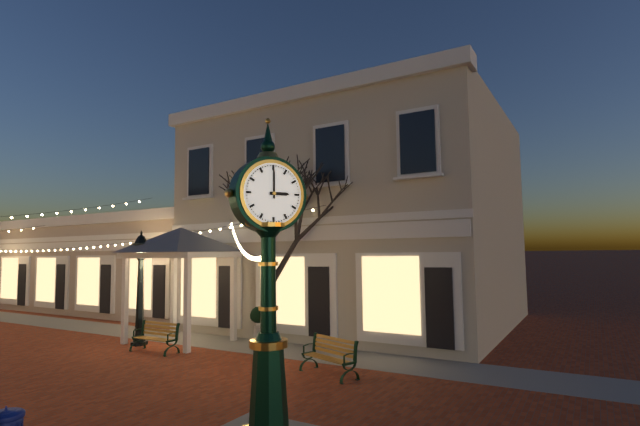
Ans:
3 h 00 min
